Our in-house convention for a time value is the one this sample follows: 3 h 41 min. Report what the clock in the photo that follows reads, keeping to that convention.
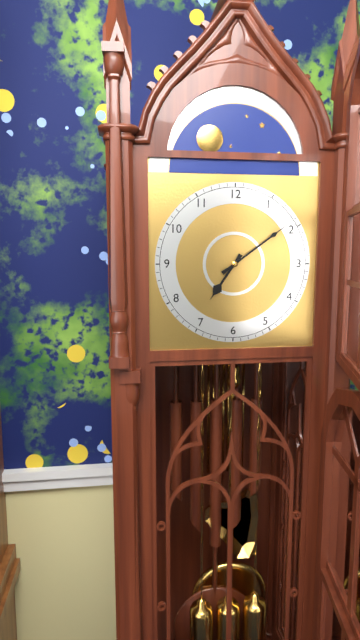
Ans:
7 h 09 min
